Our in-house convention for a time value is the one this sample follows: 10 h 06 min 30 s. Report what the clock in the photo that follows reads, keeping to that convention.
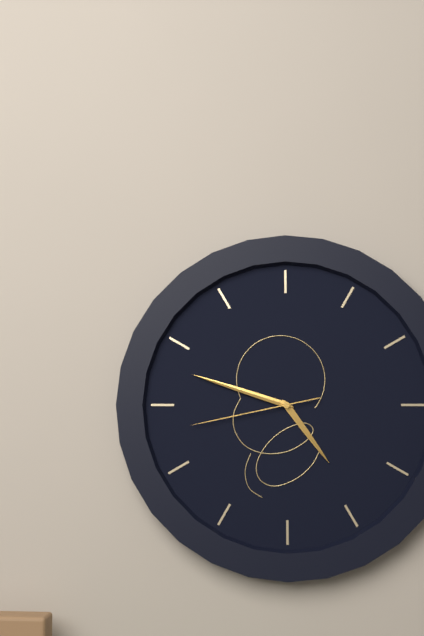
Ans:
4 h 48 min 43 s
